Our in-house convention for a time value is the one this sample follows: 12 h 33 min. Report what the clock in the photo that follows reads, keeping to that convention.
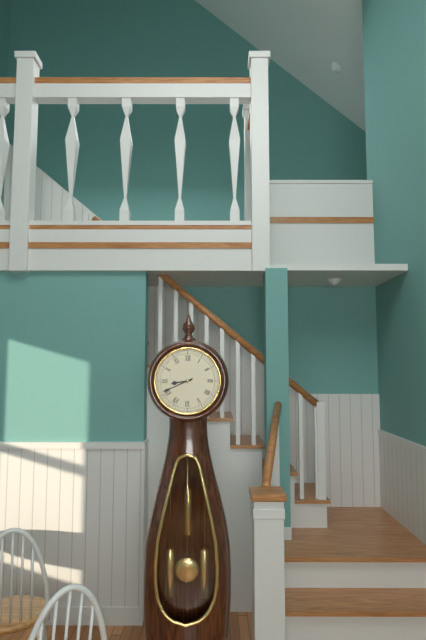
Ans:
8 h 41 min
